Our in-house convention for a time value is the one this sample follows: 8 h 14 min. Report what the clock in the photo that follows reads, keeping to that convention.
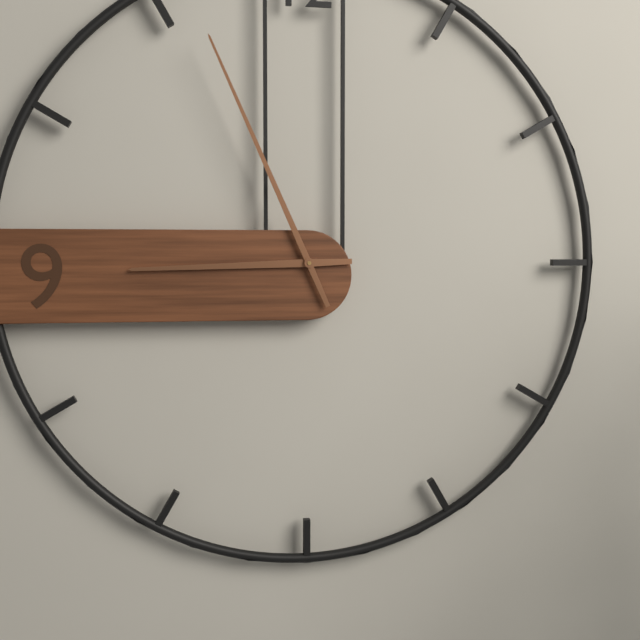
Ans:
8 h 56 min
